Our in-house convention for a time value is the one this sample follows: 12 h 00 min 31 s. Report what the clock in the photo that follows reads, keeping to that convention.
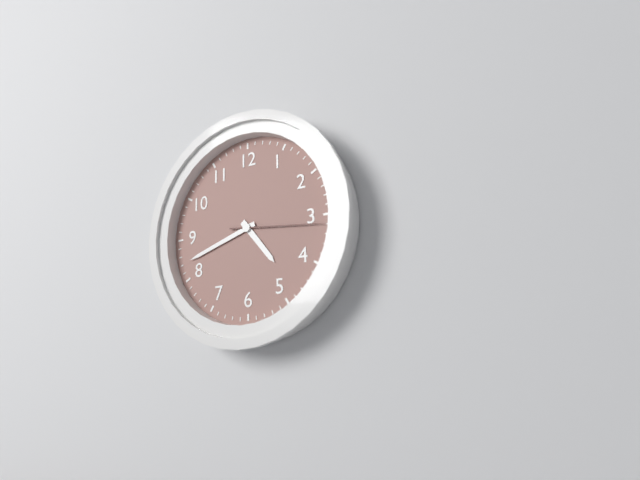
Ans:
4 h 42 min 16 s
